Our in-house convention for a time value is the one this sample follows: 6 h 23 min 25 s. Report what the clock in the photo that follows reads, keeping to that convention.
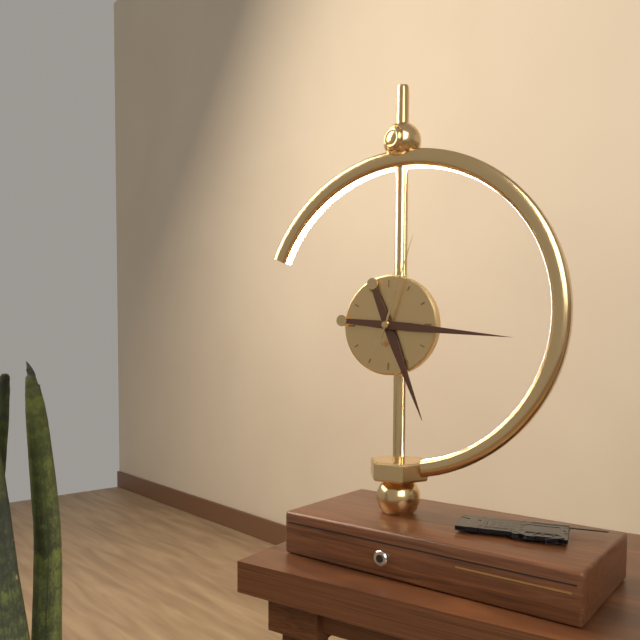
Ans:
5 h 16 min 03 s
